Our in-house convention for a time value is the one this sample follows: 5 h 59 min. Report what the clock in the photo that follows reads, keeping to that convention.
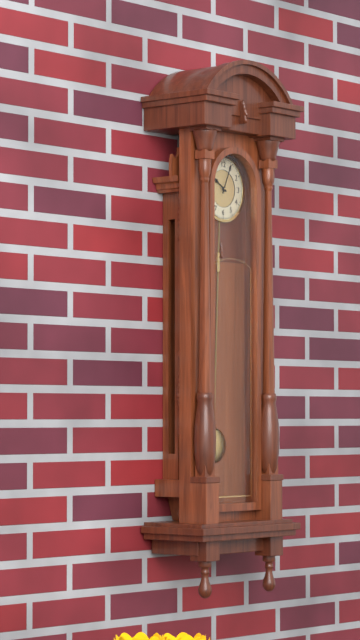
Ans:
10 h 04 min
